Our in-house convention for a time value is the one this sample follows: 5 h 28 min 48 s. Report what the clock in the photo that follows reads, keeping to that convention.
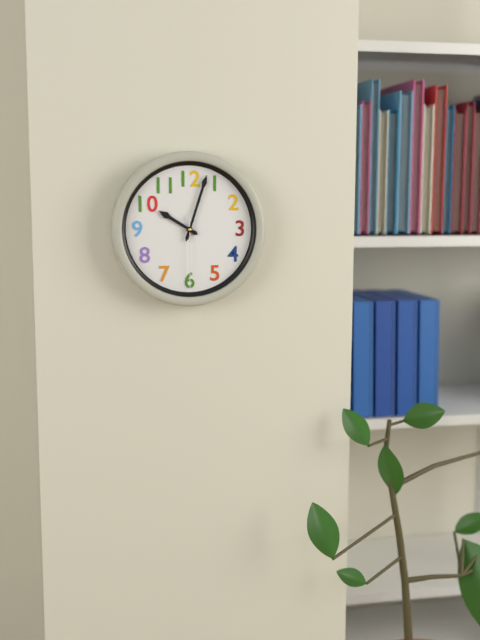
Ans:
10 h 03 min 30 s
